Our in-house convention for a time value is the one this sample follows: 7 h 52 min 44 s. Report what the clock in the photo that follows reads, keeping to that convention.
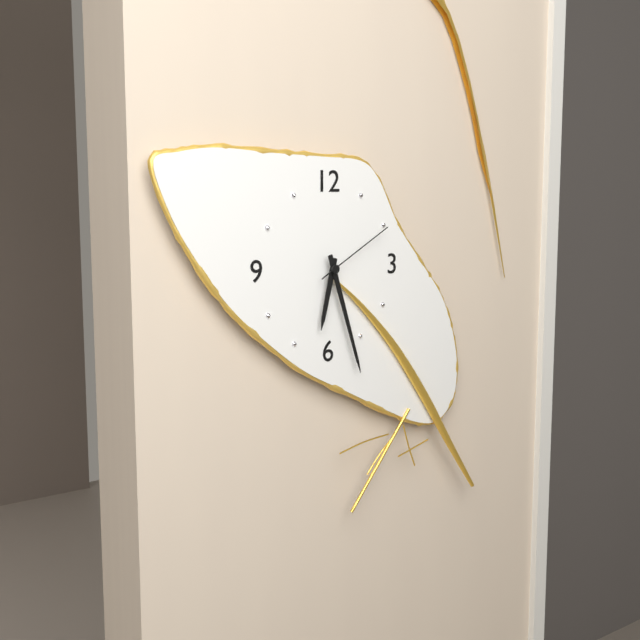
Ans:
6 h 27 min 10 s
